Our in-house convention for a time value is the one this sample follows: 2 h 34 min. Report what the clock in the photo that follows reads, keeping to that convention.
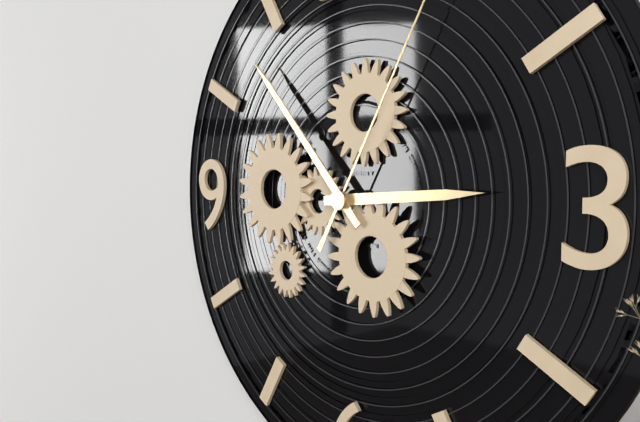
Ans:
2 h 53 min
